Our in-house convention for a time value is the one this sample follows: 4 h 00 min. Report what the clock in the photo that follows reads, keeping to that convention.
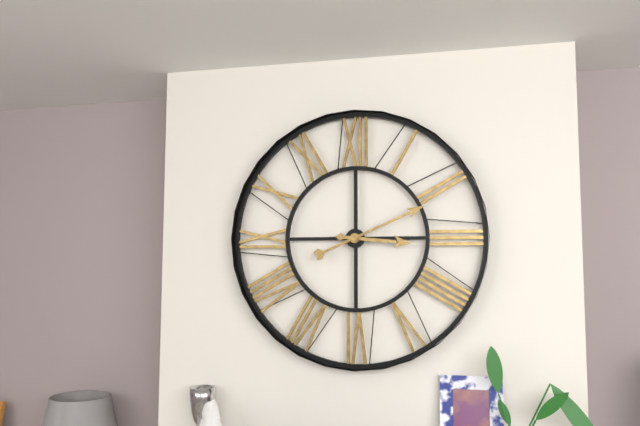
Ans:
3 h 11 min
